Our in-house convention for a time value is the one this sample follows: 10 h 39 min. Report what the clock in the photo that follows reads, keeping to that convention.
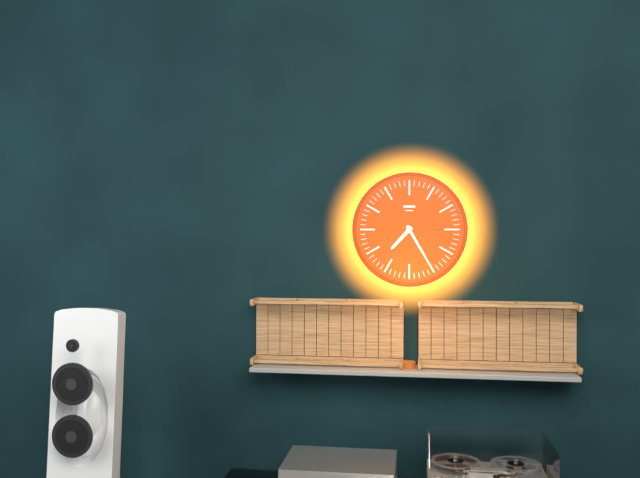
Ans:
7 h 25 min
